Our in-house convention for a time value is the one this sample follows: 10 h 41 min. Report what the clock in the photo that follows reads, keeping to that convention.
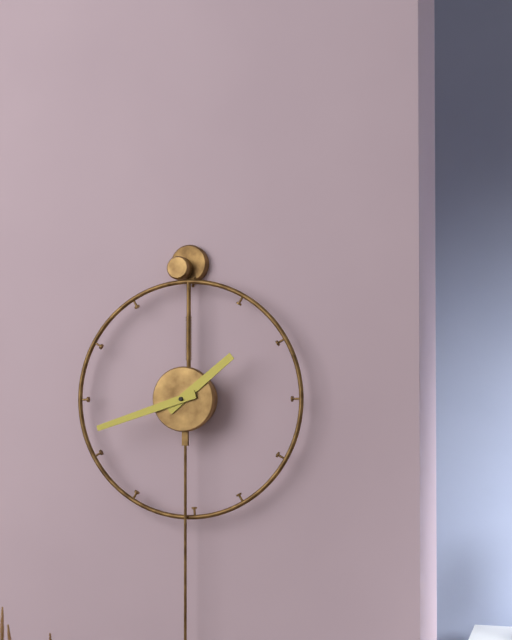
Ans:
1 h 42 min
